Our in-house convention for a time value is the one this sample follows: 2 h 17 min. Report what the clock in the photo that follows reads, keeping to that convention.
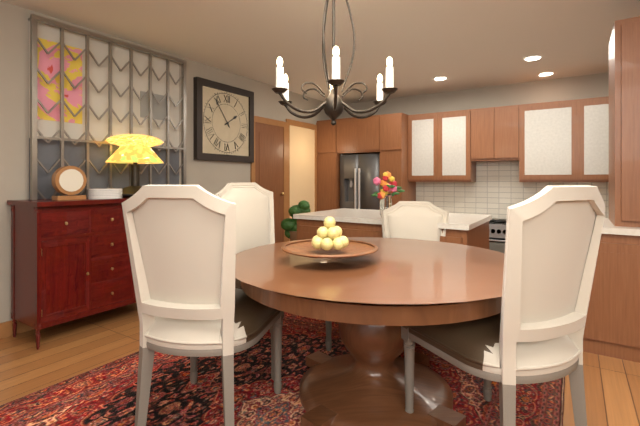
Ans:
1 h 54 min
